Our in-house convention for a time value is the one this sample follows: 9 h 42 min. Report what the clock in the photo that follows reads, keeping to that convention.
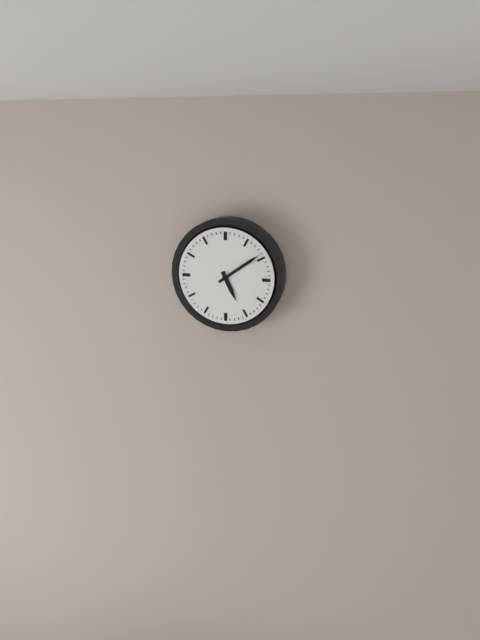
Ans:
5 h 09 min
